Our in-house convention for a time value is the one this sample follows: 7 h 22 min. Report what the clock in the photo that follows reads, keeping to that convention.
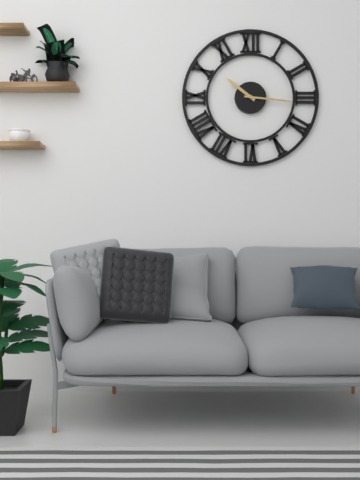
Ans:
10 h 16 min
